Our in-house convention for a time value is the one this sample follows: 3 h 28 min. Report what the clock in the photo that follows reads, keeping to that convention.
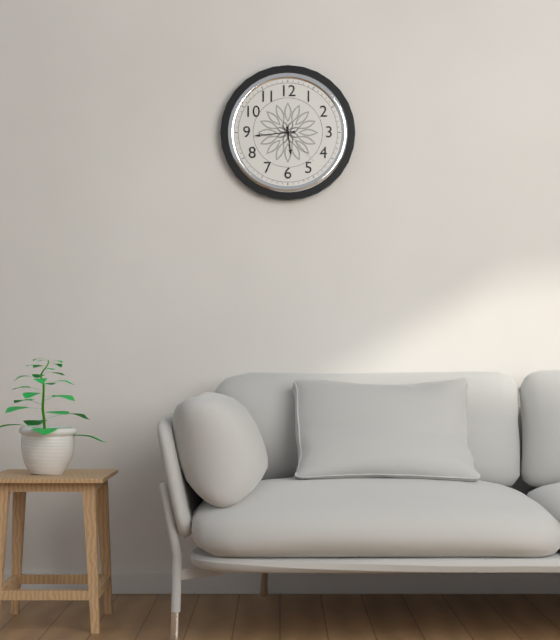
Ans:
5 h 44 min
